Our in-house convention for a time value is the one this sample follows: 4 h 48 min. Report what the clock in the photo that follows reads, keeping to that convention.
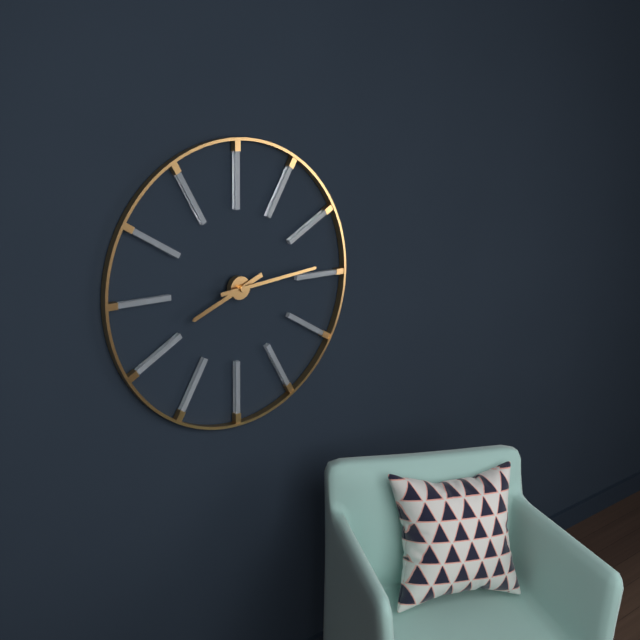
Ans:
8 h 14 min
